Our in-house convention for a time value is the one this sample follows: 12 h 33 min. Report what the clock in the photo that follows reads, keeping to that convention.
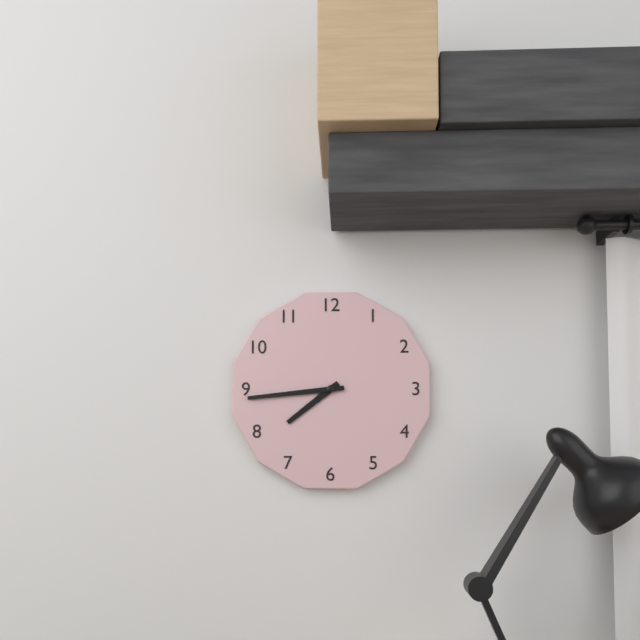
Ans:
7 h 44 min
